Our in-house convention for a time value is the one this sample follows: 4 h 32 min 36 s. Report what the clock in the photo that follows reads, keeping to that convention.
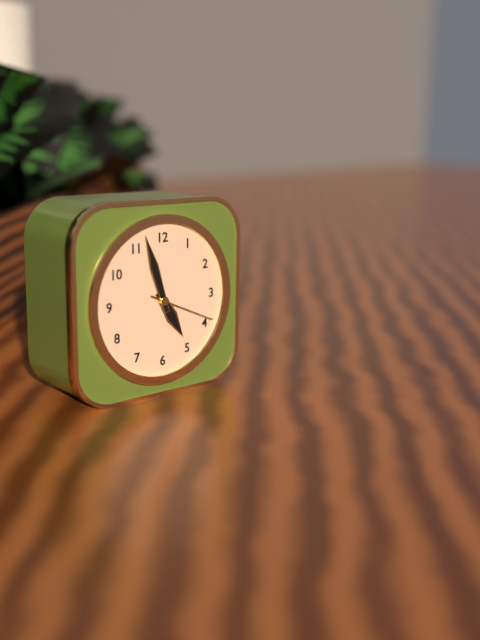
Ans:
4 h 57 min 19 s
